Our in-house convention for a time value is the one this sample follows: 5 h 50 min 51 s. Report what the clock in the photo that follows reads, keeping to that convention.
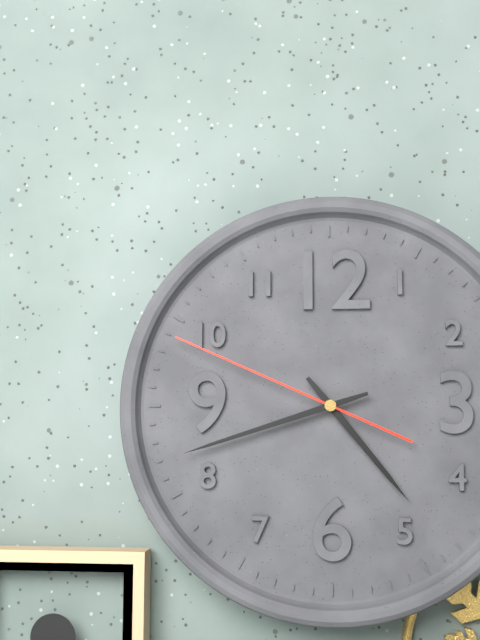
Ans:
4 h 42 min 49 s
